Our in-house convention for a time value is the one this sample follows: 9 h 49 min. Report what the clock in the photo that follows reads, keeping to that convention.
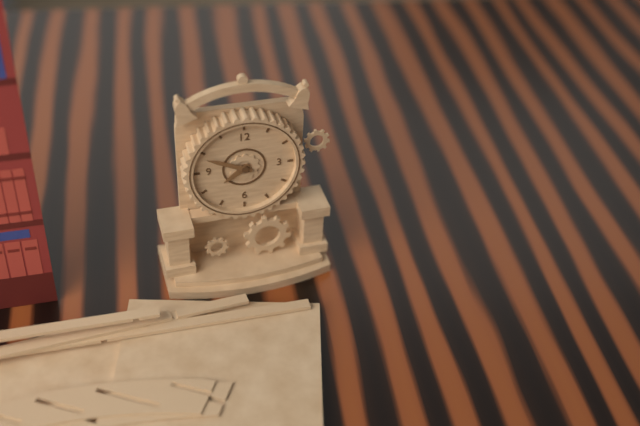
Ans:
7 h 49 min
